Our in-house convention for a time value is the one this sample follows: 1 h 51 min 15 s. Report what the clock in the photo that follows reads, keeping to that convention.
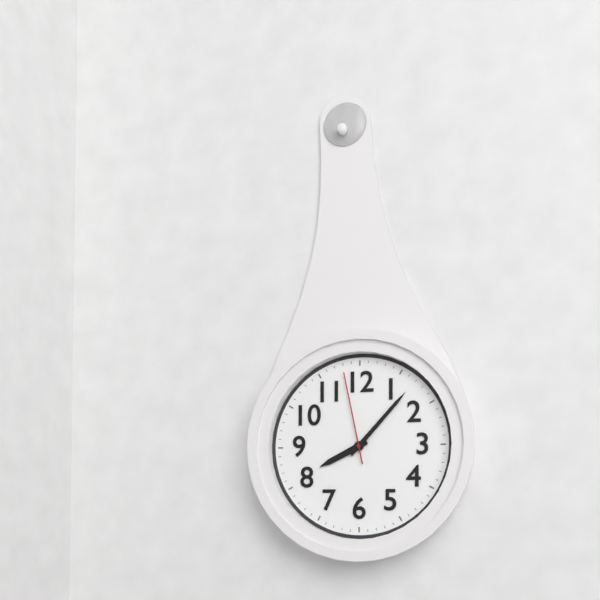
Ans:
8 h 07 min 58 s
